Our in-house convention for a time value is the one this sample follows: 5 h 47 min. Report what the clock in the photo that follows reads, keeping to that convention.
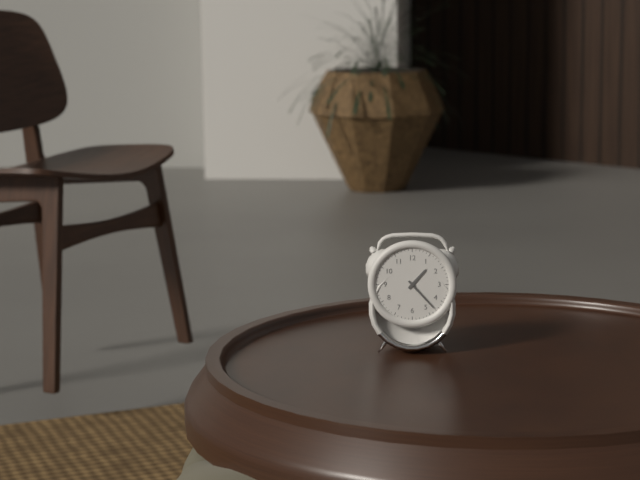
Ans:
1 h 23 min
